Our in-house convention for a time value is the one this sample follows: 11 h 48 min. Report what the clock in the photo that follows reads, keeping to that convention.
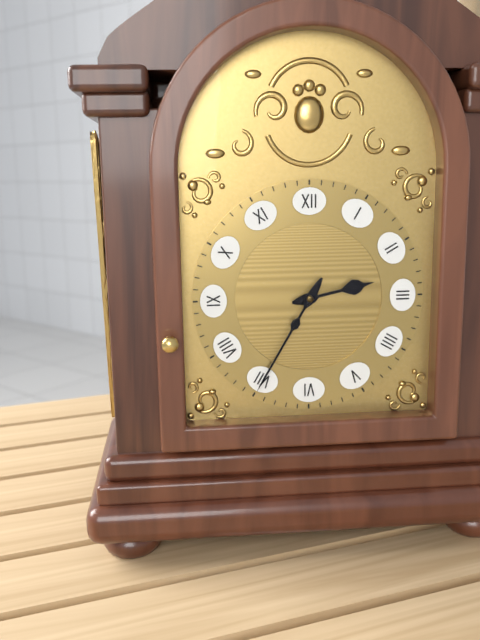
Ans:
2 h 35 min
